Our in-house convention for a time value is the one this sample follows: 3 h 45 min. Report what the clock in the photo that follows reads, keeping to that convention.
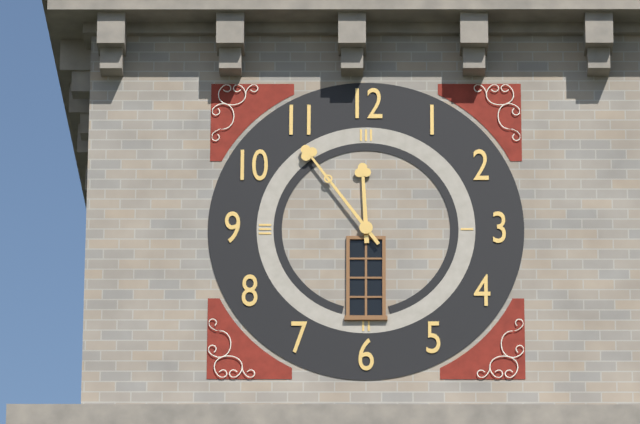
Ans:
11 h 54 min
